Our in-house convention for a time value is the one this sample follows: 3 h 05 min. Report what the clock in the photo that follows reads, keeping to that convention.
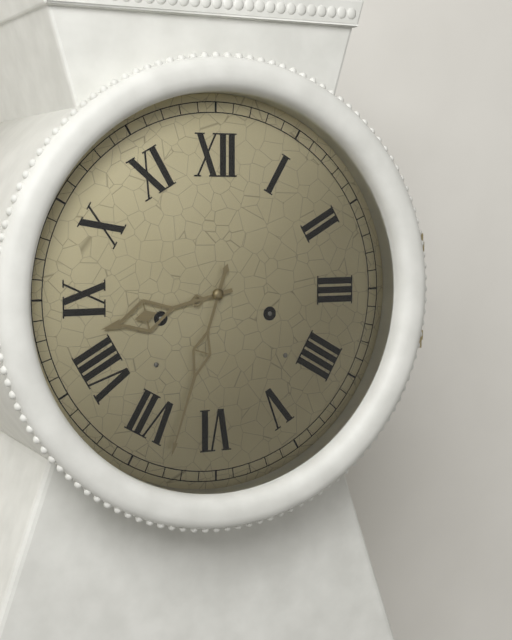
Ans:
8 h 33 min
